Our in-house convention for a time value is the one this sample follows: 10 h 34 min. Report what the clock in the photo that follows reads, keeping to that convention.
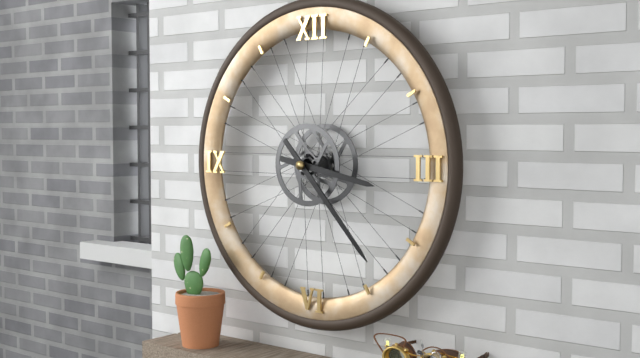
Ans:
3 h 23 min
